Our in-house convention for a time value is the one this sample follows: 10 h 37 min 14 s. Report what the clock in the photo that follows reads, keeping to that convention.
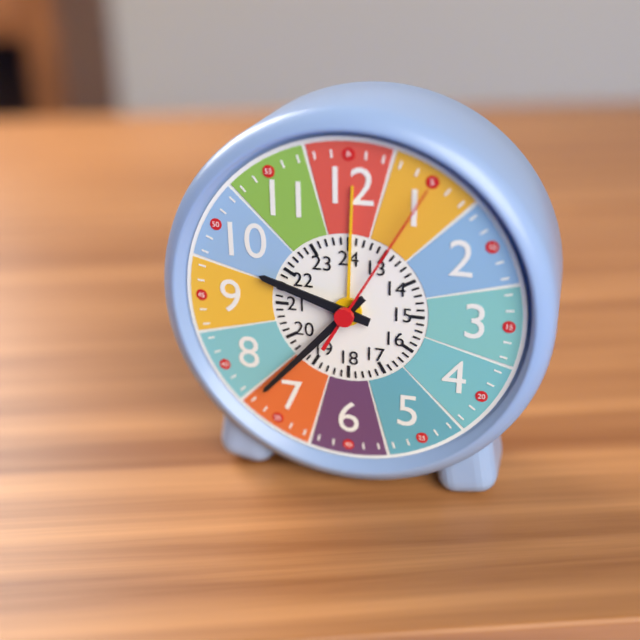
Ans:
9 h 37 min 05 s
